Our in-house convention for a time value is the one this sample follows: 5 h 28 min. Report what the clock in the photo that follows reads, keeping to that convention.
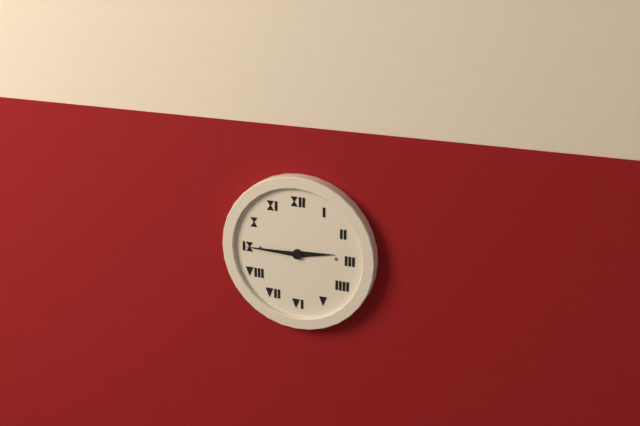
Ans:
2 h 45 min
